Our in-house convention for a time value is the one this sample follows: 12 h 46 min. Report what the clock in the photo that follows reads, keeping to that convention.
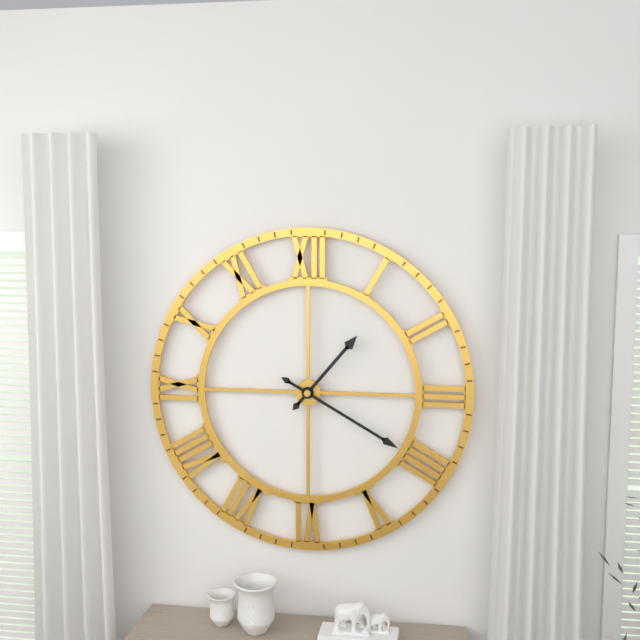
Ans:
1 h 20 min
